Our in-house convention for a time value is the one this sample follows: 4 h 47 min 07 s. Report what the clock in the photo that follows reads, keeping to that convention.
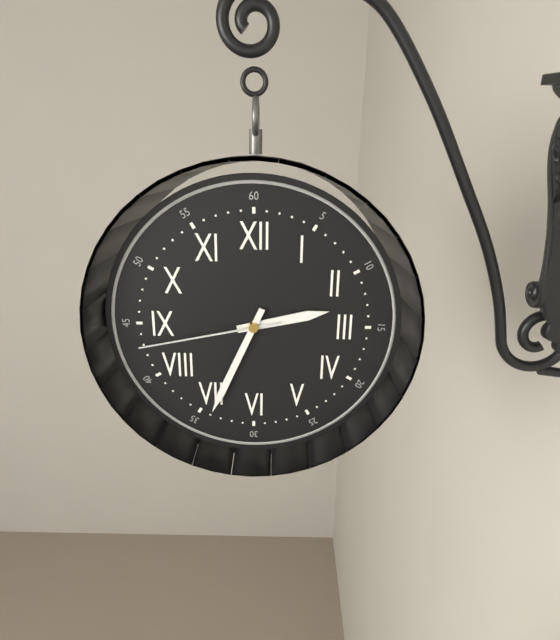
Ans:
2 h 34 min 43 s
